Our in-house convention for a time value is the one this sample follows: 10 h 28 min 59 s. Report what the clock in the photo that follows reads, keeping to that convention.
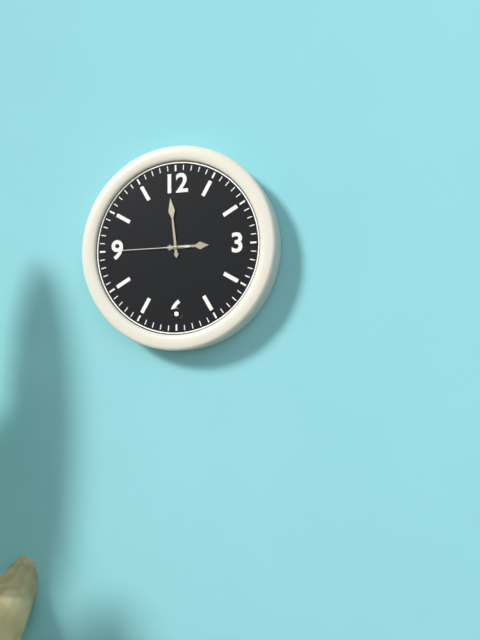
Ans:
2 h 59 min 45 s
